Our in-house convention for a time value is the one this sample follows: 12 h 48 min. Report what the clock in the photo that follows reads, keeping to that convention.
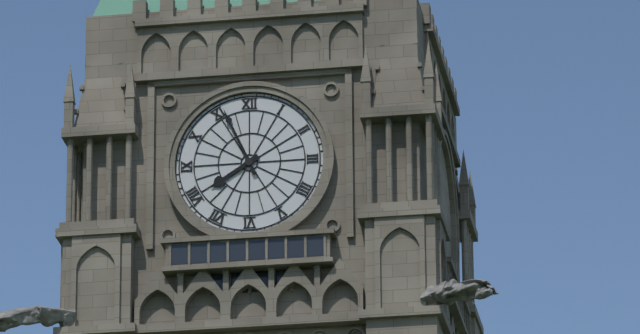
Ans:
7 h 56 min
